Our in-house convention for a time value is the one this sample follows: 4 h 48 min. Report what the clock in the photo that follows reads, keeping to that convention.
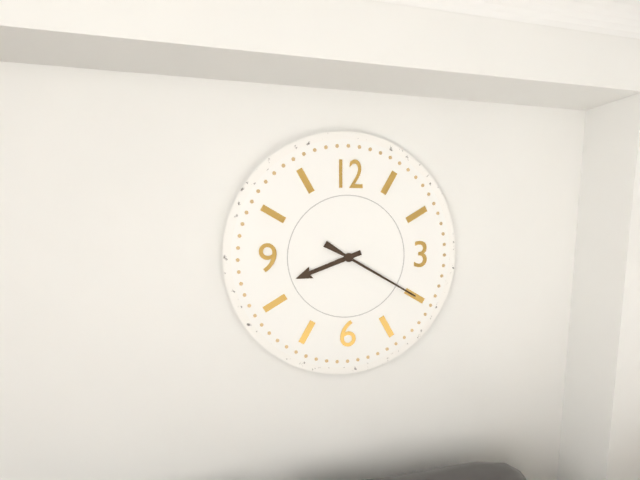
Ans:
8 h 20 min
